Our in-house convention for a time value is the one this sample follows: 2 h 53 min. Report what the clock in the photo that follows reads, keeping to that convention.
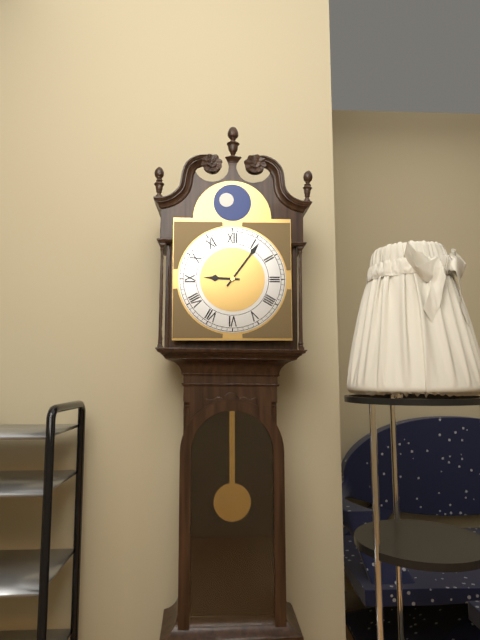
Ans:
9 h 06 min
